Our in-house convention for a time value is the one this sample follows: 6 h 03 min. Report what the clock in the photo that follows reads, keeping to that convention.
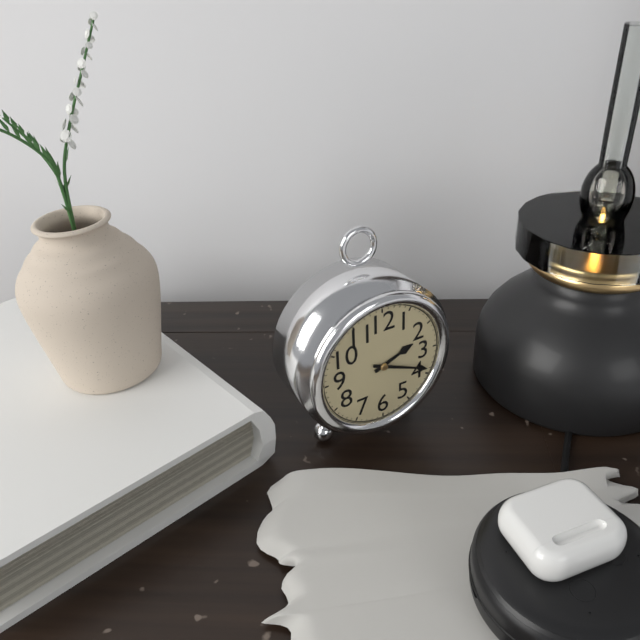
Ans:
2 h 19 min
